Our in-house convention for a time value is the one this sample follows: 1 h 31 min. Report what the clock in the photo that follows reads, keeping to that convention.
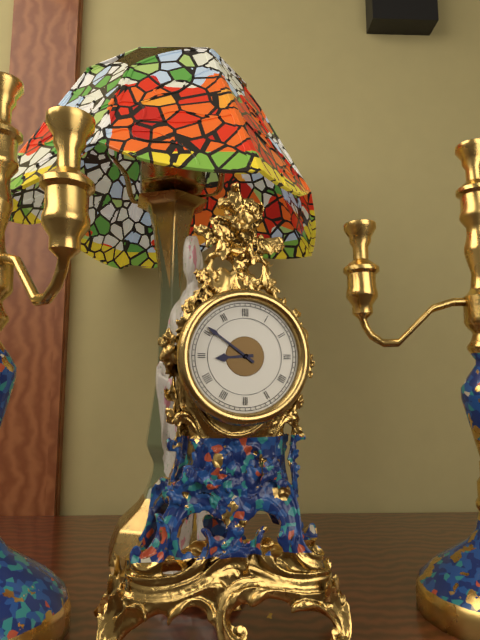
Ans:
8 h 51 min
